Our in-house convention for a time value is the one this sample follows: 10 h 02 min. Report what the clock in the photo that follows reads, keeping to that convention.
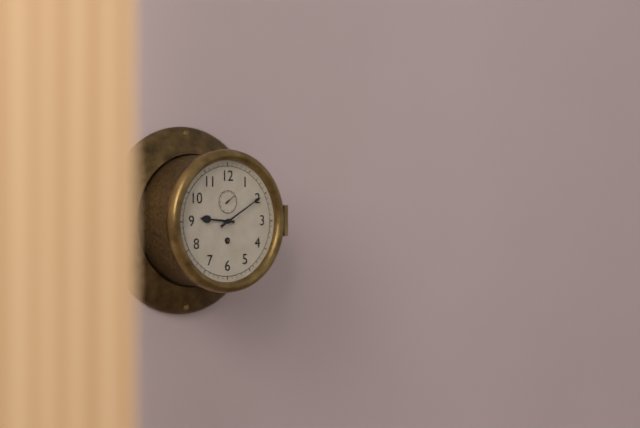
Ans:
9 h 10 min
